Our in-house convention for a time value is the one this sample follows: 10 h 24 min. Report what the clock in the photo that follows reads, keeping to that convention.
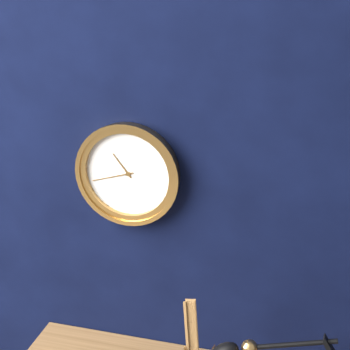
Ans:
10 h 42 min
